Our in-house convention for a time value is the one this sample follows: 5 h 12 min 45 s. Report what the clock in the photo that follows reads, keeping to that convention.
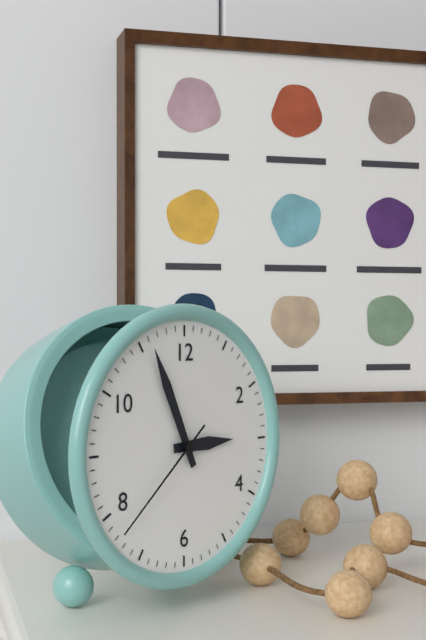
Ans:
2 h 56 min 38 s
